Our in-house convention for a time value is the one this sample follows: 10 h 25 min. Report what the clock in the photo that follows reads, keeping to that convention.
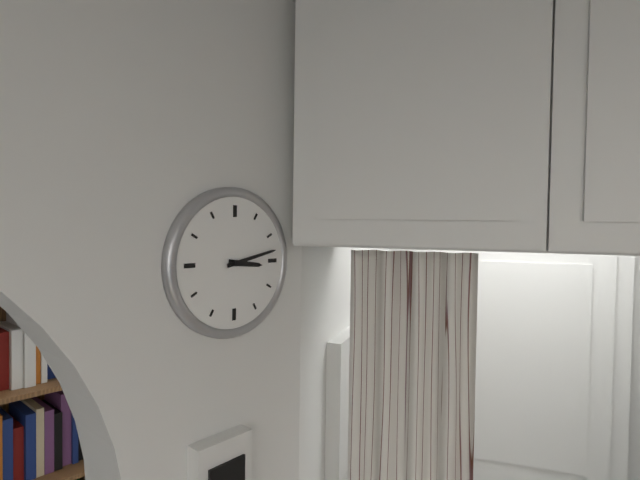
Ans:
3 h 13 min
